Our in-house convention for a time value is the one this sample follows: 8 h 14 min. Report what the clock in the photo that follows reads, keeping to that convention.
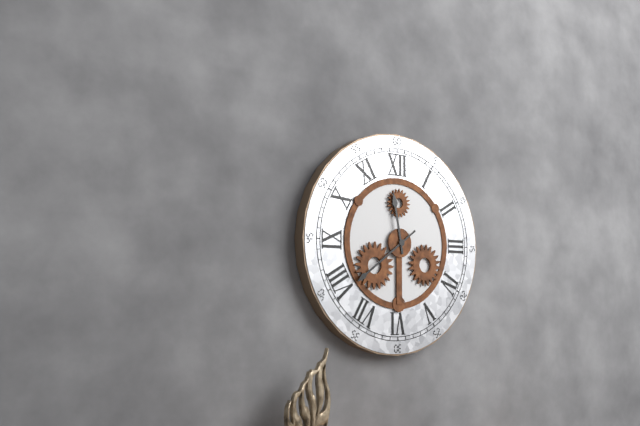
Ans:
11 h 39 min
